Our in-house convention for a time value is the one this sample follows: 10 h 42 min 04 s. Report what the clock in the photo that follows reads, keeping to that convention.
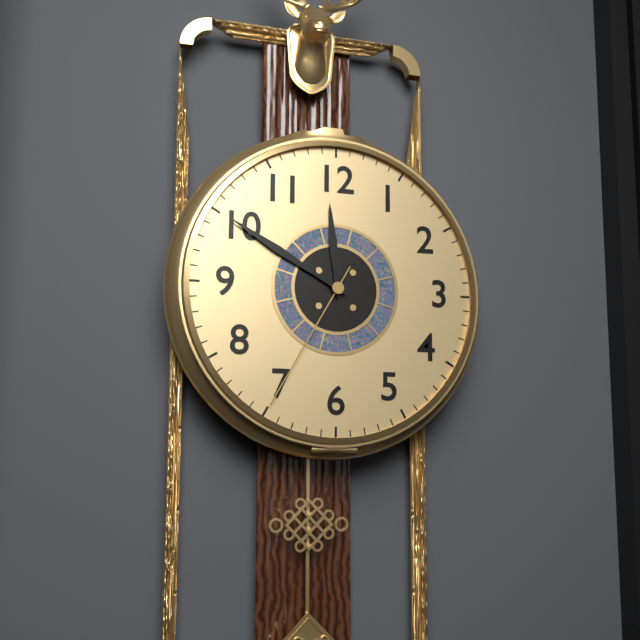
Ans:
11 h 50 min 35 s
